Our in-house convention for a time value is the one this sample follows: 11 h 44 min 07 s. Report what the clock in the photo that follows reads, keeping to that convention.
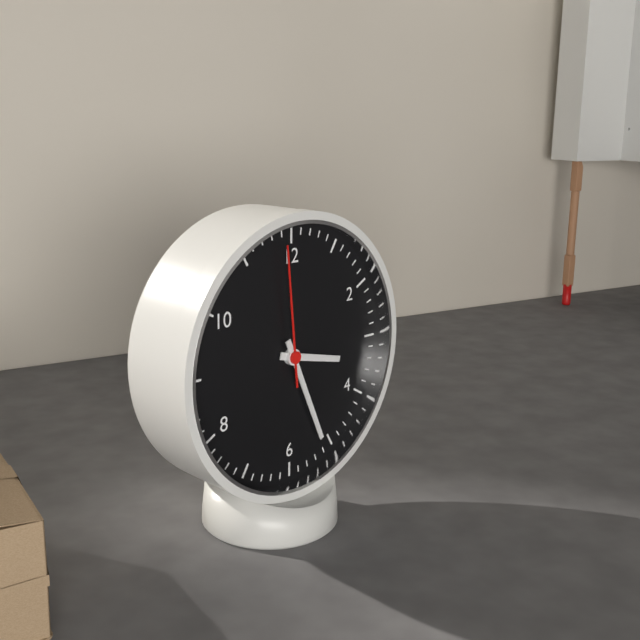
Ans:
3 h 26 min 59 s
